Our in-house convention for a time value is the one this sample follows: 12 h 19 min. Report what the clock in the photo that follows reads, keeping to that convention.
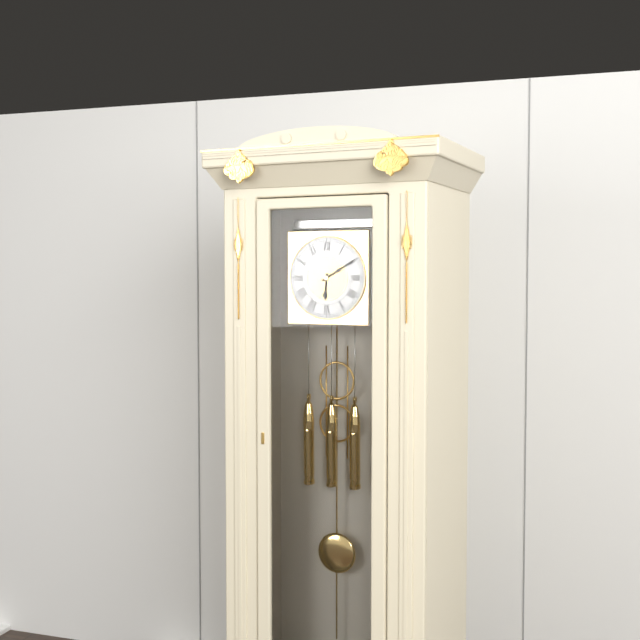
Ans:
6 h 10 min
